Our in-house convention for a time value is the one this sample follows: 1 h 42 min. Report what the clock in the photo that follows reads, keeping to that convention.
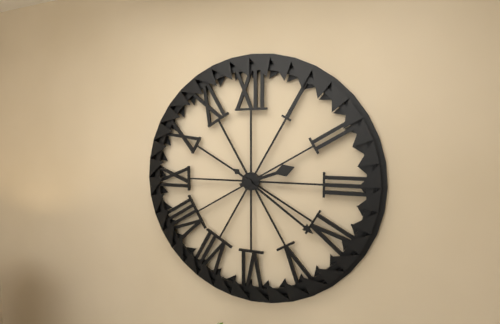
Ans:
2 h 21 min
